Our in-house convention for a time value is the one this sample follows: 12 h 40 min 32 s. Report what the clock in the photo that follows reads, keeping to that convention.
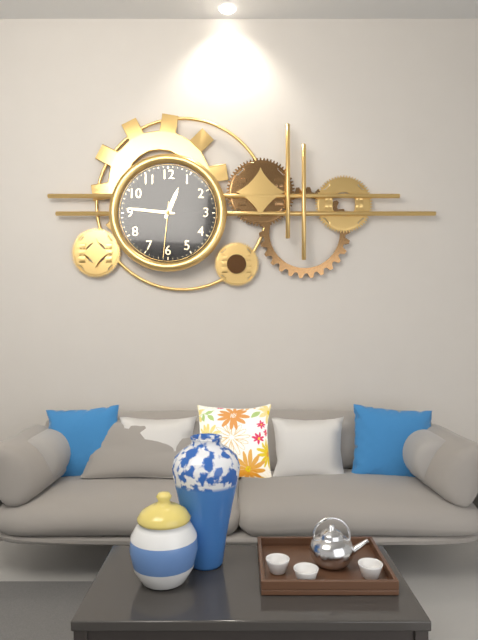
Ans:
12 h 46 min 31 s
